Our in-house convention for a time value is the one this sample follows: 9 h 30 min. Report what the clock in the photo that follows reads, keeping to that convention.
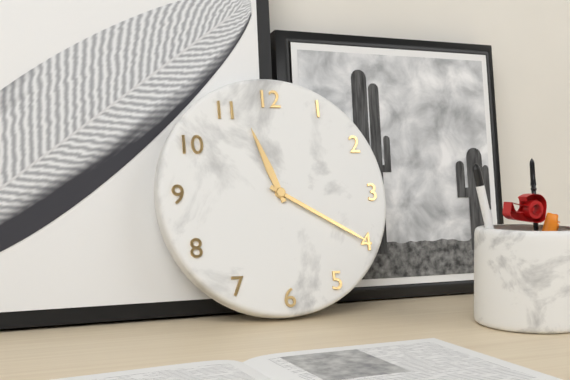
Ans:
11 h 20 min
